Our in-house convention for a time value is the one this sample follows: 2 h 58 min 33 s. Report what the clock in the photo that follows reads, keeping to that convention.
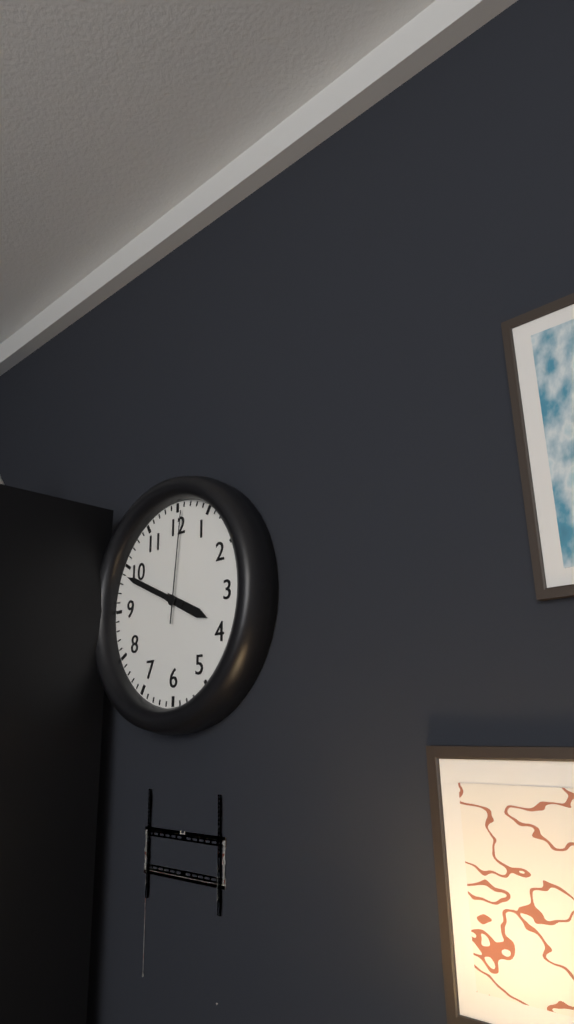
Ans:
3 h 49 min 01 s
